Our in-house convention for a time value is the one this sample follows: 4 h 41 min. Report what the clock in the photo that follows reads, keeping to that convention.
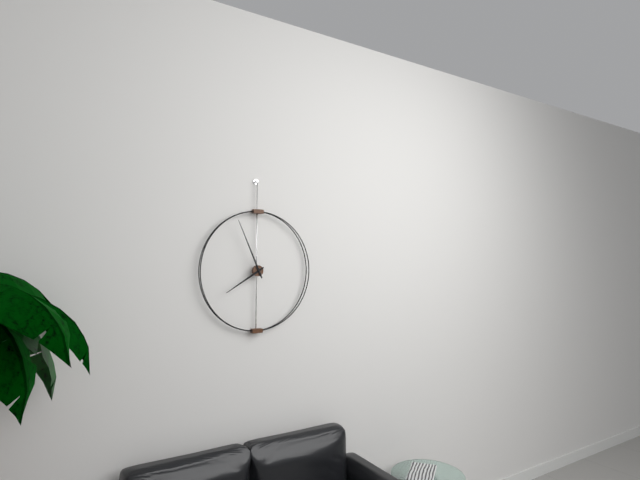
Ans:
7 h 56 min
